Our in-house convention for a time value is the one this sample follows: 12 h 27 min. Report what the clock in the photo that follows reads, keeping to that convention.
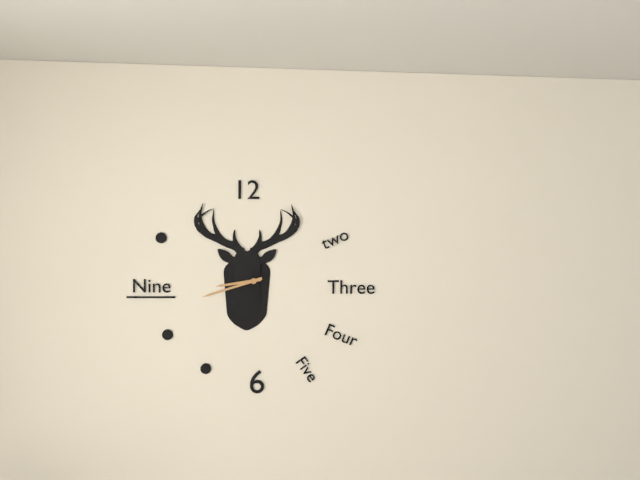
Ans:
8 h 42 min
